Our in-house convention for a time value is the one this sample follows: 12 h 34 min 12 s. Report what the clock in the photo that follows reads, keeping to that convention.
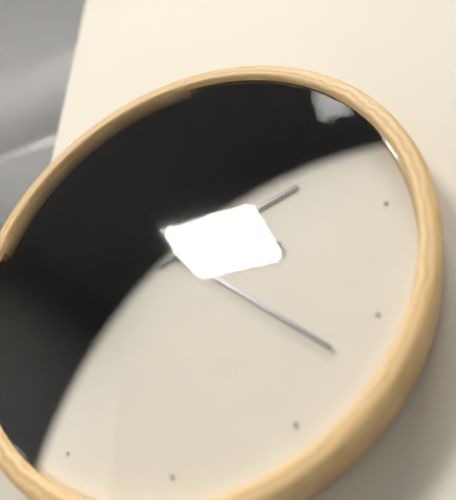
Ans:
2 h 22 min 47 s
